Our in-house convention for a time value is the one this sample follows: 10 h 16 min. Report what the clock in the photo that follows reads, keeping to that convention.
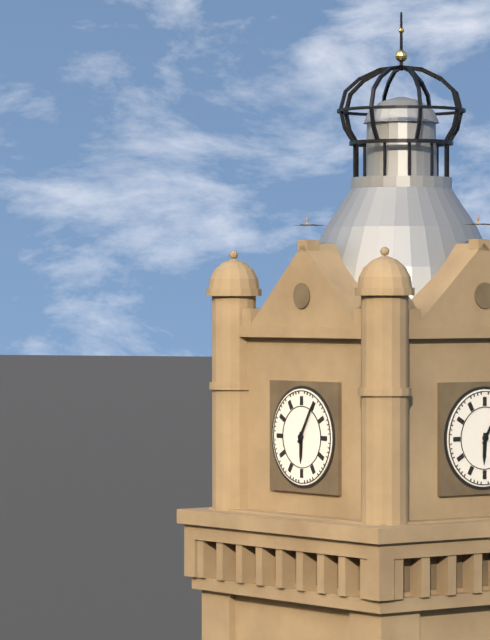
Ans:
6 h 05 min
